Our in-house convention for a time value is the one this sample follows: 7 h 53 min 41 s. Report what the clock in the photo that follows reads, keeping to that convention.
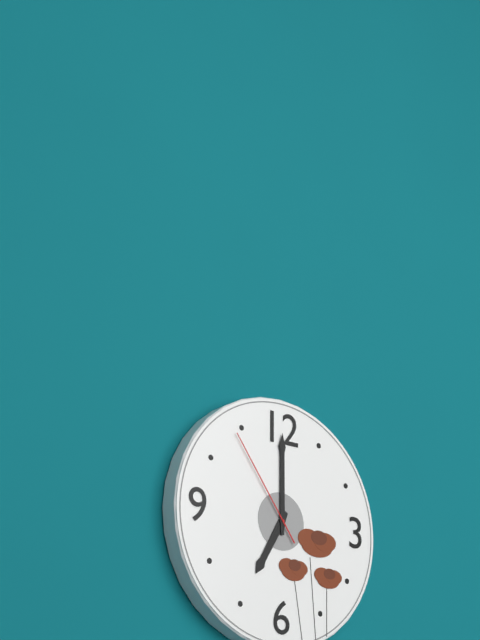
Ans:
7 h 00 min 54 s
